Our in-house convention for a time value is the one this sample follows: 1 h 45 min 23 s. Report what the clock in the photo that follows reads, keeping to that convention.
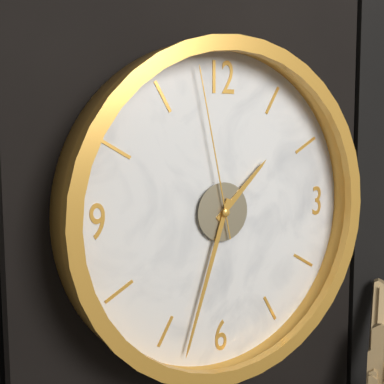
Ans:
1 h 33 min 58 s
